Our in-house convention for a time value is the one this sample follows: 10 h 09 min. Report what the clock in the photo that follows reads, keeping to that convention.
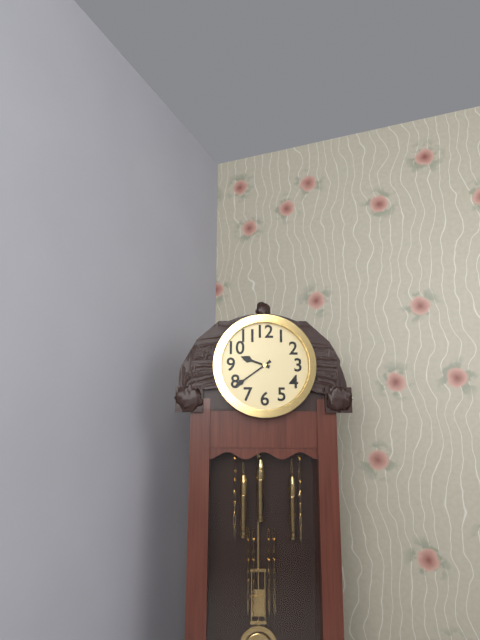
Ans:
9 h 39 min
